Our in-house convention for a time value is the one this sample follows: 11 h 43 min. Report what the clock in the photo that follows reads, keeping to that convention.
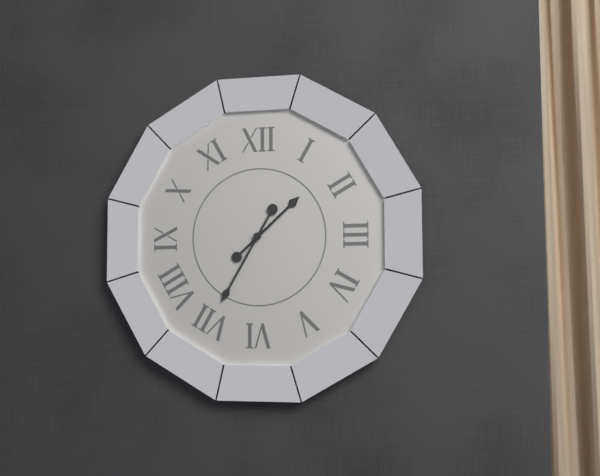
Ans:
1 h 35 min
